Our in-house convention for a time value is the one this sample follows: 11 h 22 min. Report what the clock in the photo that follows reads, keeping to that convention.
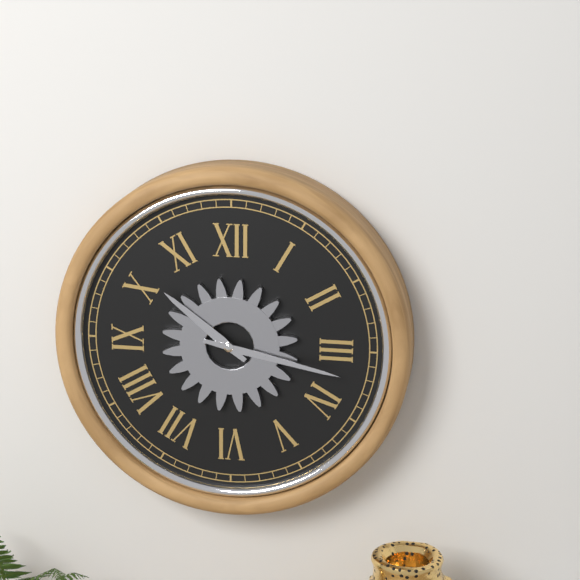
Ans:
10 h 17 min
